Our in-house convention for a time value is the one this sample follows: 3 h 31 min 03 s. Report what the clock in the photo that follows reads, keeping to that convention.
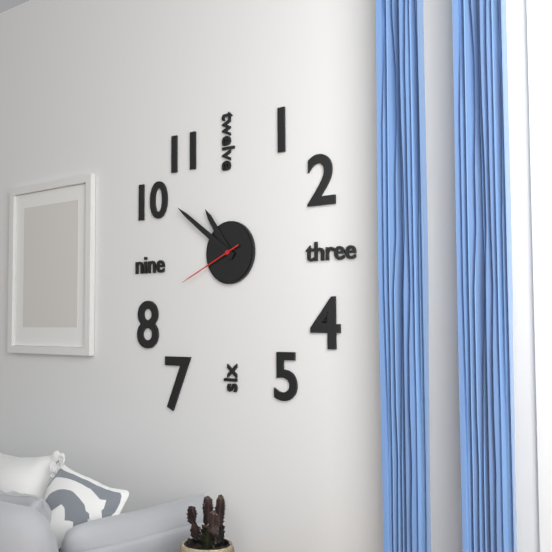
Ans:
10 h 51 min 41 s
